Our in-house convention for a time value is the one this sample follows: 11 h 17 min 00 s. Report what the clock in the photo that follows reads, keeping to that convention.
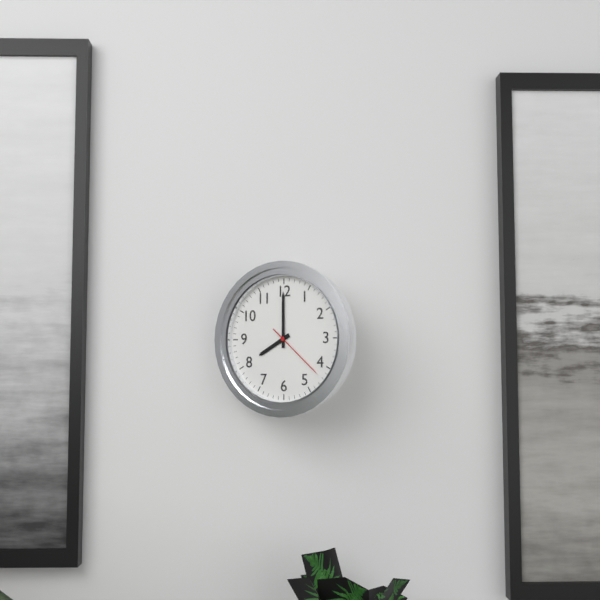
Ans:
8 h 00 min 22 s
